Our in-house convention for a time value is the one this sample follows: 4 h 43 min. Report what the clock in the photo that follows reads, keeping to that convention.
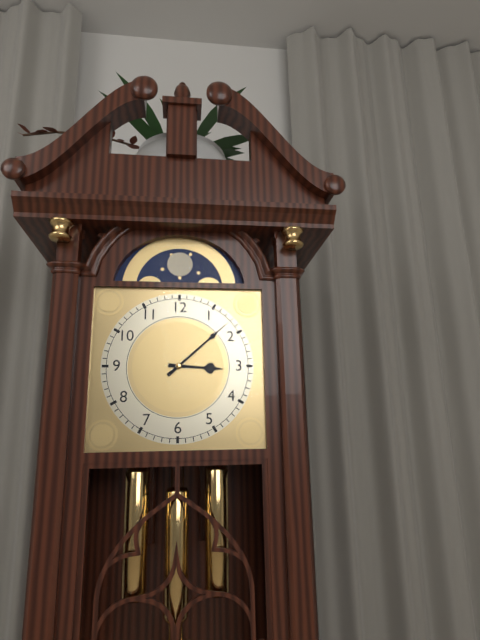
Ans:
3 h 08 min
